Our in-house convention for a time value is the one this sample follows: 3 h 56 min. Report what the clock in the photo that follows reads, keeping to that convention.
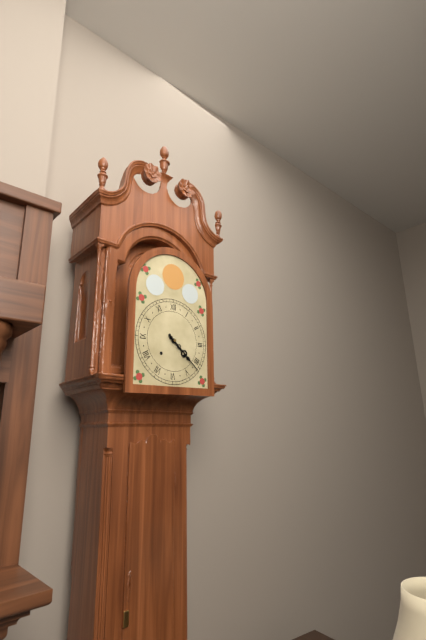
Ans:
4 h 22 min
